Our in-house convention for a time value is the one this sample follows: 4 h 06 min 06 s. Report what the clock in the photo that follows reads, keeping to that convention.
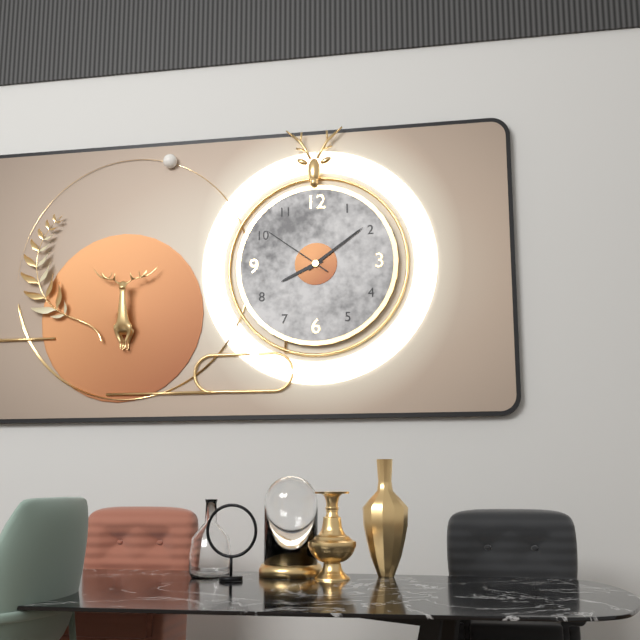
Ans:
8 h 09 min 51 s
